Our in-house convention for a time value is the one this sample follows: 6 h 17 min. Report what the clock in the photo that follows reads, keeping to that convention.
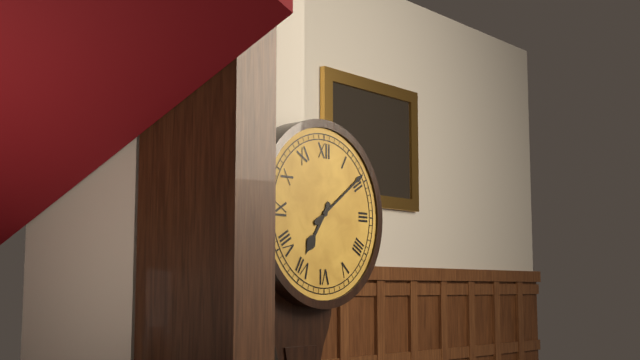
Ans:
7 h 09 min
